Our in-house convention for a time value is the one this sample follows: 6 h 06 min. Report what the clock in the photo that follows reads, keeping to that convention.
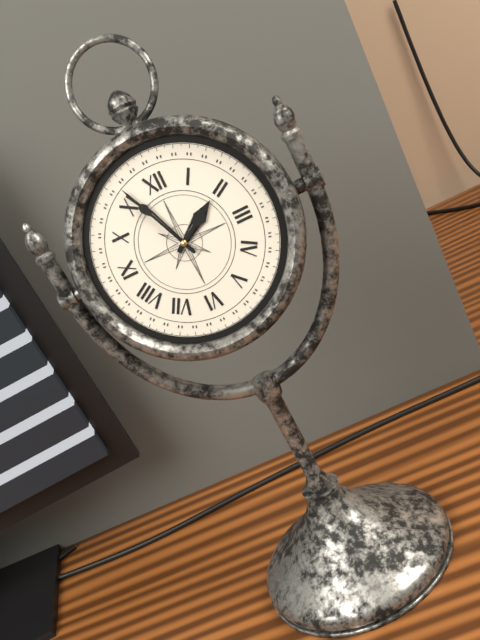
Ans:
1 h 56 min
